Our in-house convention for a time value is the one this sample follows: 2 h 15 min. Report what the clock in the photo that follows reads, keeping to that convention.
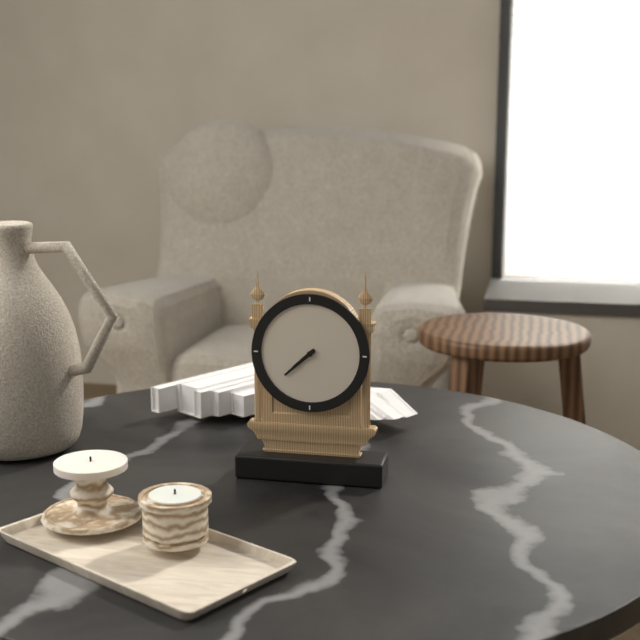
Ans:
7 h 38 min
